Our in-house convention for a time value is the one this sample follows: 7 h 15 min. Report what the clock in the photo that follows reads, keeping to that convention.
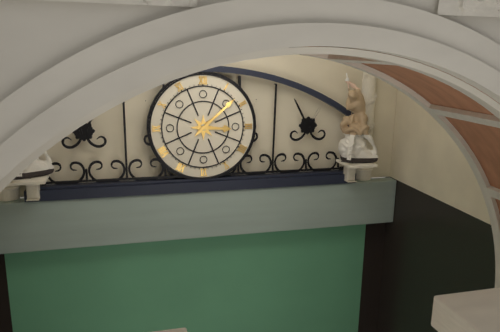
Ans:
3 h 08 min
